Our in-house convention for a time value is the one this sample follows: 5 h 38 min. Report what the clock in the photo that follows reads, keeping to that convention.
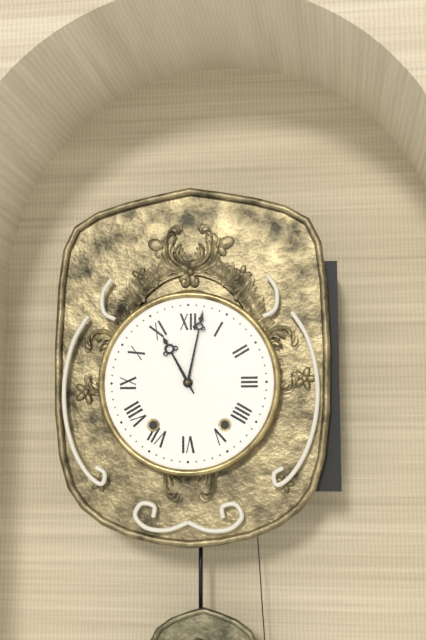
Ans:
11 h 02 min
